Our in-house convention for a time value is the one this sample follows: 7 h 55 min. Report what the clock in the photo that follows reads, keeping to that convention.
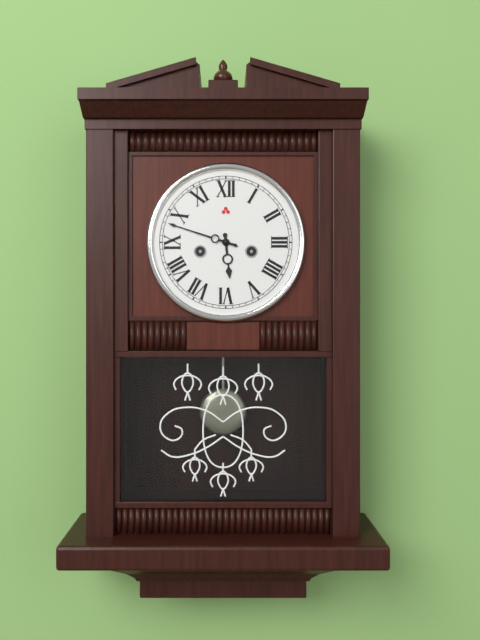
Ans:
5 h 48 min
